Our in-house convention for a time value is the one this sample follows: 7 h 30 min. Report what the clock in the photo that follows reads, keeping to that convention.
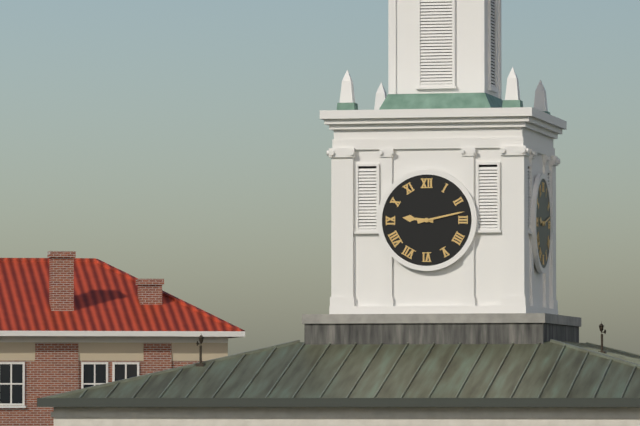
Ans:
9 h 13 min
